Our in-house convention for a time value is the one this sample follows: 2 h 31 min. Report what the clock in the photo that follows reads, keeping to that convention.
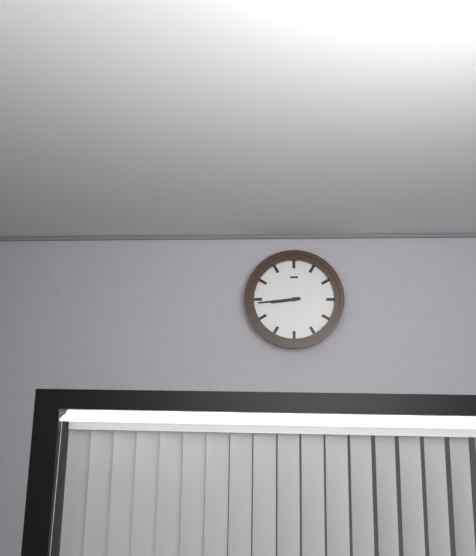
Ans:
8 h 44 min
